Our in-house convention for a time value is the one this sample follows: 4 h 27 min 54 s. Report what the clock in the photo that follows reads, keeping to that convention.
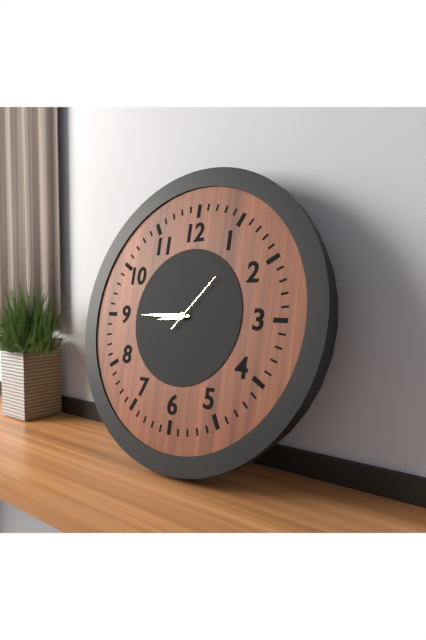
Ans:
8 h 45 min 07 s
